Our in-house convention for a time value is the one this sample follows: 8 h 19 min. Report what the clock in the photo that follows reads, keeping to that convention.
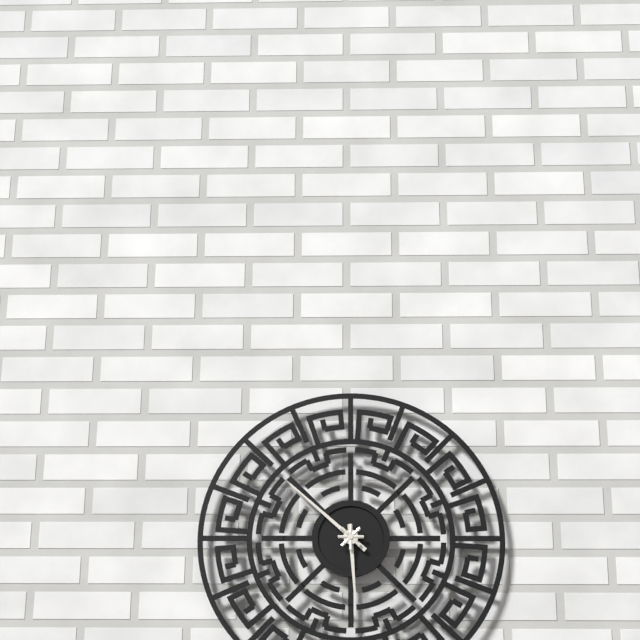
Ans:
5 h 52 min
